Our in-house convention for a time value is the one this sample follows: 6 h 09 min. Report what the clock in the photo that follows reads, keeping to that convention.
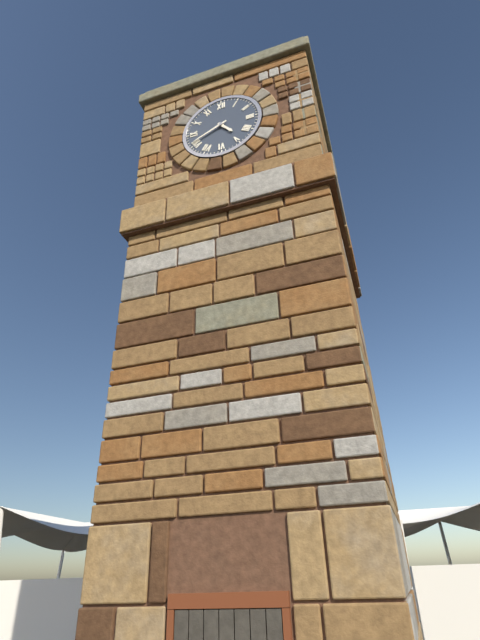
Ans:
4 h 41 min
